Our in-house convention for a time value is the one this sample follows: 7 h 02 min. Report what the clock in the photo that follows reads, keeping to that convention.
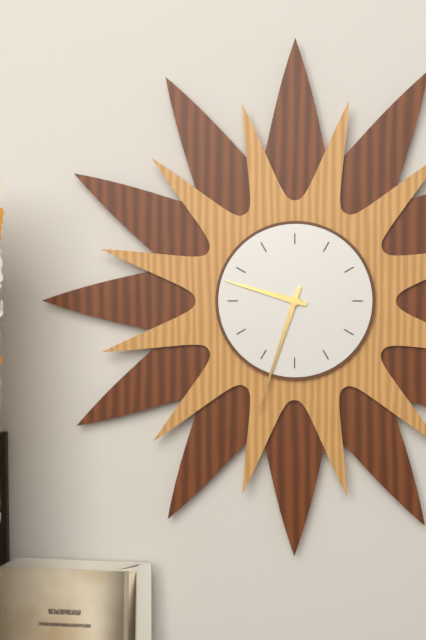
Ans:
9 h 33 min
